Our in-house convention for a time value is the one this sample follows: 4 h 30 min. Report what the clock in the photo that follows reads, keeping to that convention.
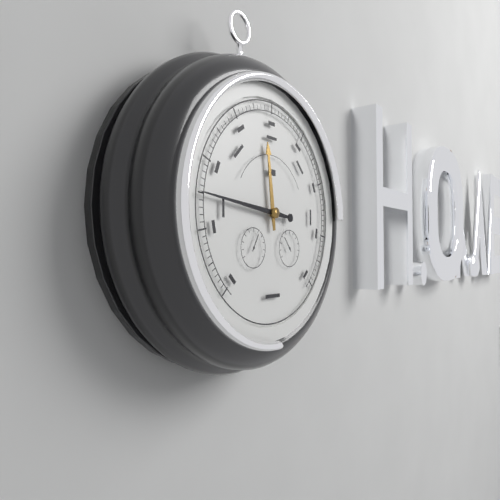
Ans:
11 h 46 min
